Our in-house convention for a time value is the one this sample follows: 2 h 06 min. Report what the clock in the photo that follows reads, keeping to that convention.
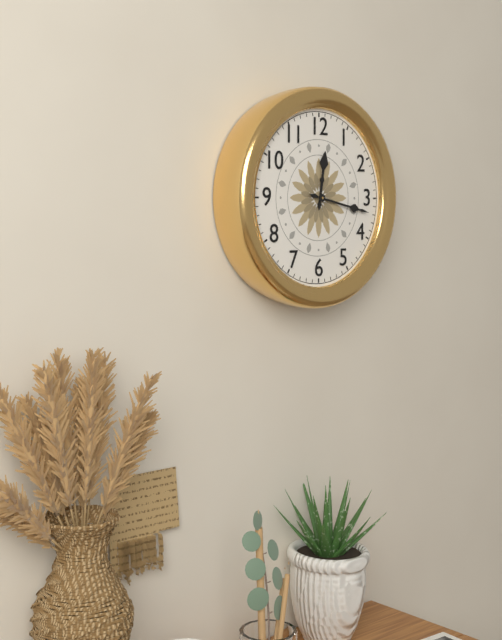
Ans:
12 h 17 min
